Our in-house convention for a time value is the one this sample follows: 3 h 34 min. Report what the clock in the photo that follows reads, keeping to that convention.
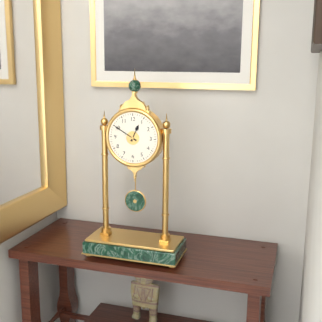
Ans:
12 h 50 min
